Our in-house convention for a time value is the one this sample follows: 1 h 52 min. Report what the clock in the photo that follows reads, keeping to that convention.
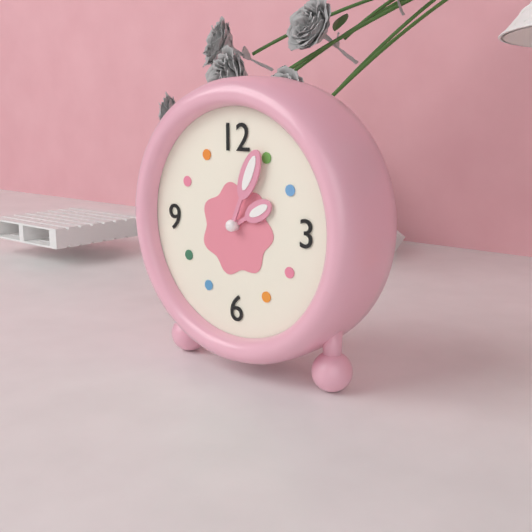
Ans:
2 h 04 min
